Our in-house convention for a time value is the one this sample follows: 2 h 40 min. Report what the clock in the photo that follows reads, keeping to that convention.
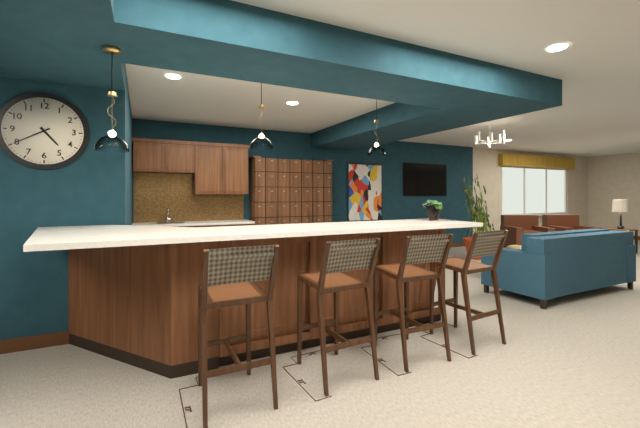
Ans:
4 h 40 min
